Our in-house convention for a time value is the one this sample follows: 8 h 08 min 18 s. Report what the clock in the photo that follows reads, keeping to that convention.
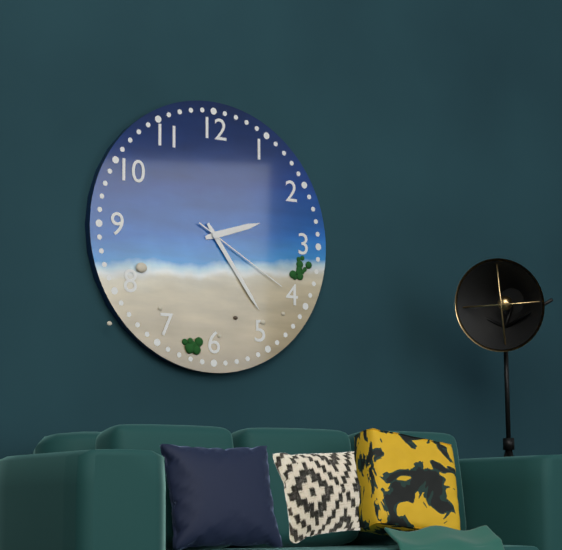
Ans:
2 h 24 min 20 s
